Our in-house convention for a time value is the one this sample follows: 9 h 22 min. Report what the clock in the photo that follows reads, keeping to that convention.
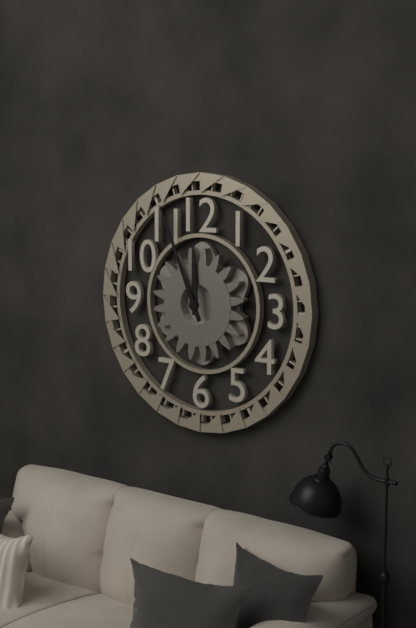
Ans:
11 h 56 min
